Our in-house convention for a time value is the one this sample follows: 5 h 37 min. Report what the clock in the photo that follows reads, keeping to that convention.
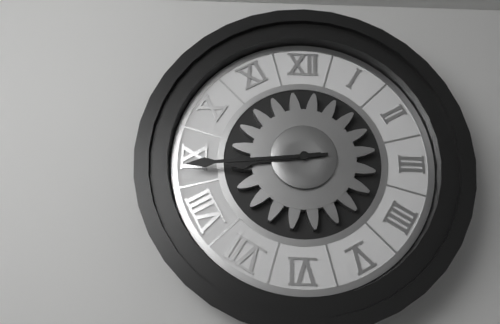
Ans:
8 h 44 min
